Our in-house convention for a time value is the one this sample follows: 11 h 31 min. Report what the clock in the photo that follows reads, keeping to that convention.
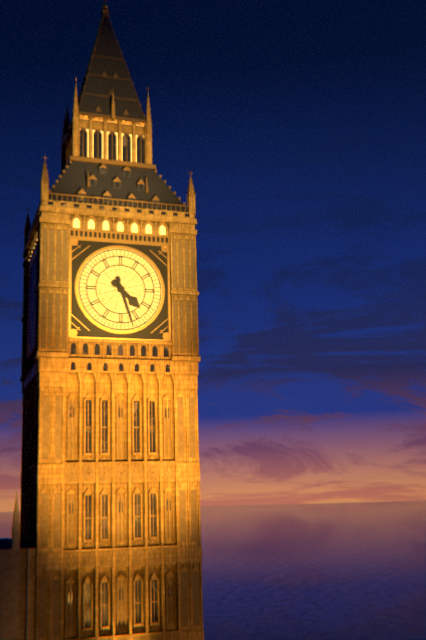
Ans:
4 h 27 min
